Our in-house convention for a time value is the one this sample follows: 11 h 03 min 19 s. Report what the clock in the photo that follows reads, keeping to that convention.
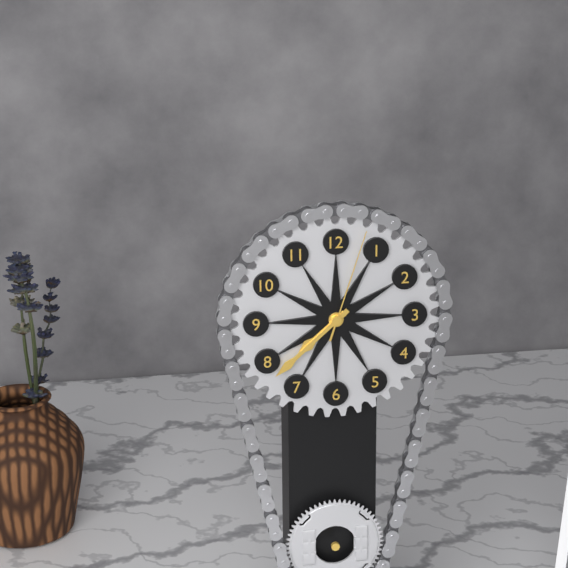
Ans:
7 h 38 min 03 s
